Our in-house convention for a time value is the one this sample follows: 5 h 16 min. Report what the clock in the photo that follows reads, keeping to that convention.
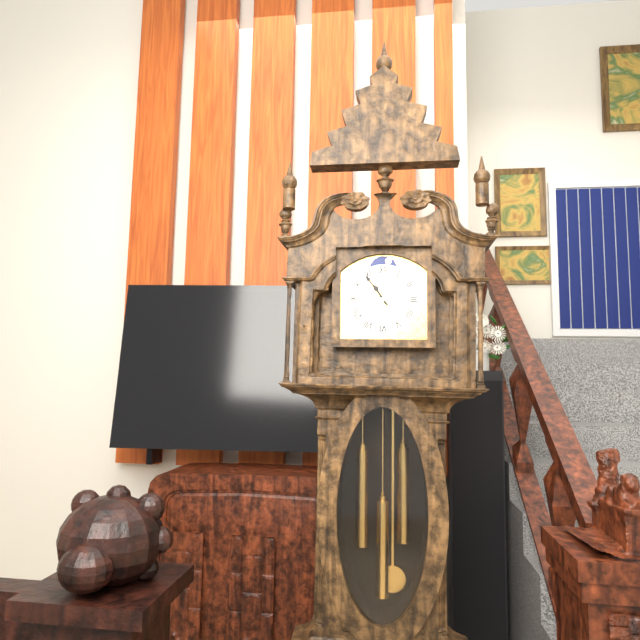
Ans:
10 h 54 min
